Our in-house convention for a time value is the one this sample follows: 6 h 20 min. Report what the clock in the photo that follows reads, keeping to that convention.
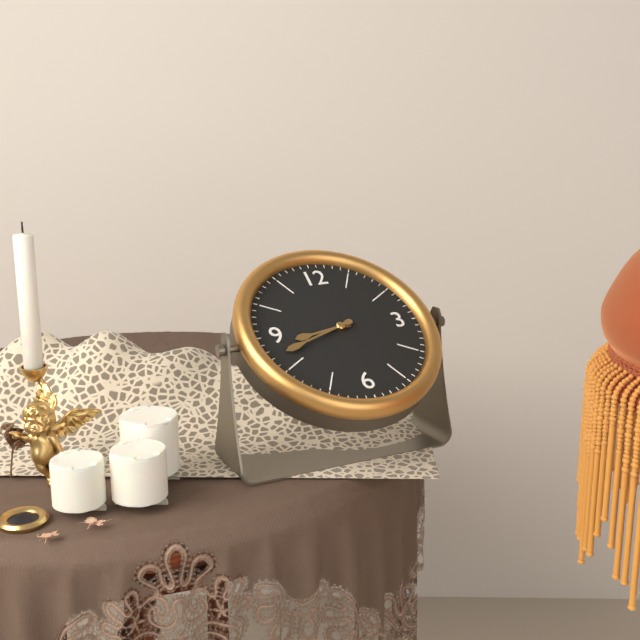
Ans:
8 h 42 min
